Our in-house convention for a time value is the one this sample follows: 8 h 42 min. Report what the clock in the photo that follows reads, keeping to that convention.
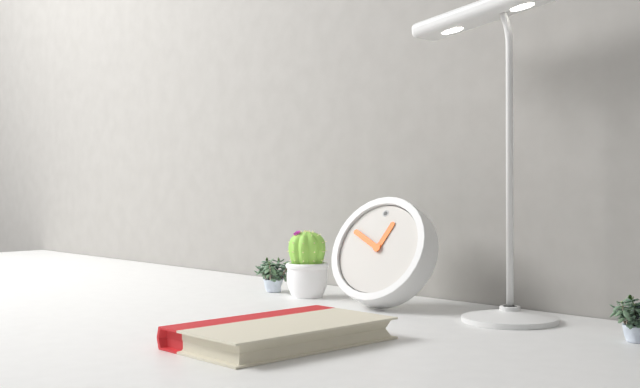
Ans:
12 h 50 min
